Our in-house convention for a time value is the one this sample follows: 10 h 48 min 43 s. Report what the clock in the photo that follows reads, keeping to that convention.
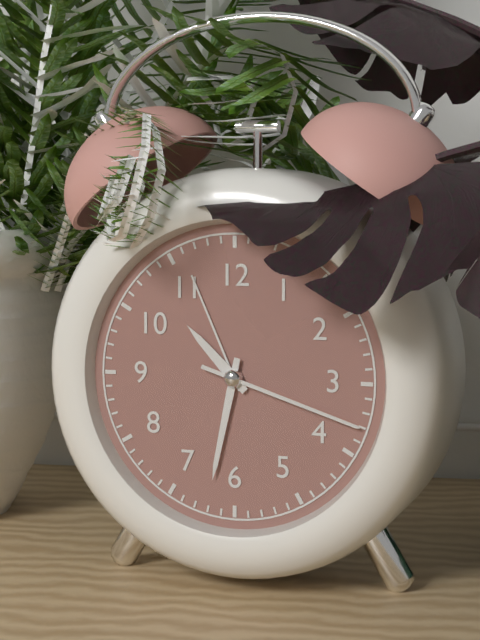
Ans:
10 h 32 min 18 s
